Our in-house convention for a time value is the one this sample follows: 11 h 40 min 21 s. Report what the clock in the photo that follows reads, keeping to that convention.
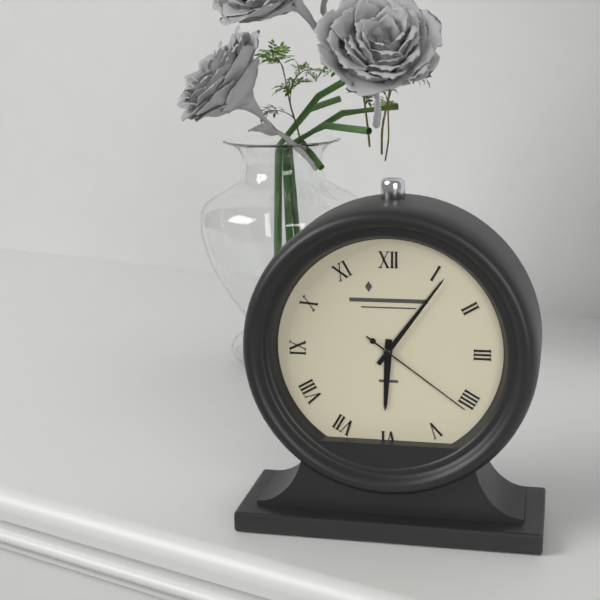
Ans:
6 h 06 min 21 s
